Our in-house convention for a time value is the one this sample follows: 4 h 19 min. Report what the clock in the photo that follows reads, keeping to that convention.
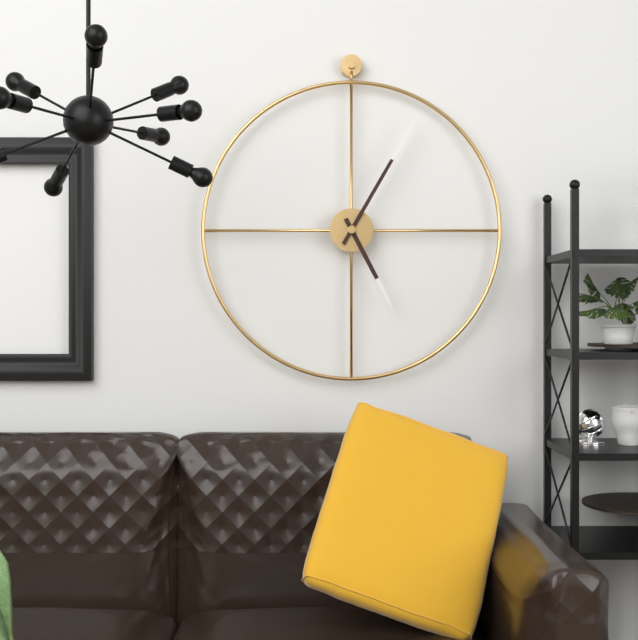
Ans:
5 h 05 min
